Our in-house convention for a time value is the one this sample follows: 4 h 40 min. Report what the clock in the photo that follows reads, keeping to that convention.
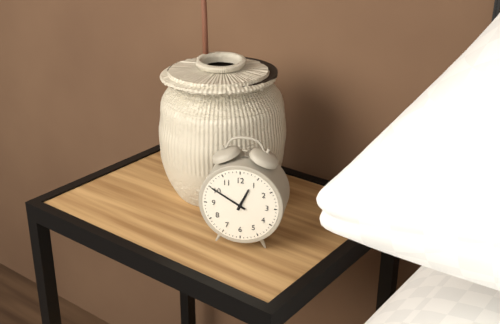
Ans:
12 h 50 min
